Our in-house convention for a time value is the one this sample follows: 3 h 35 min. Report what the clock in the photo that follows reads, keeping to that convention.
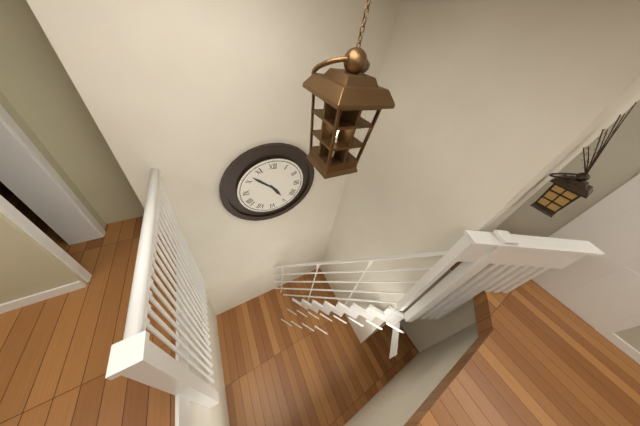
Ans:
4 h 52 min
